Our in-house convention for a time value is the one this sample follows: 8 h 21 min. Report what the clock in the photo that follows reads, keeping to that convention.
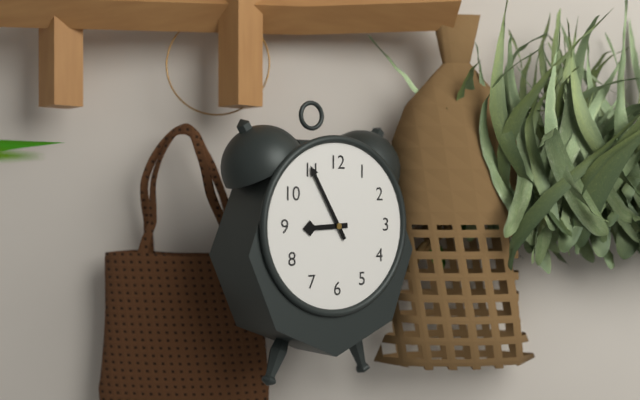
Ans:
8 h 55 min
